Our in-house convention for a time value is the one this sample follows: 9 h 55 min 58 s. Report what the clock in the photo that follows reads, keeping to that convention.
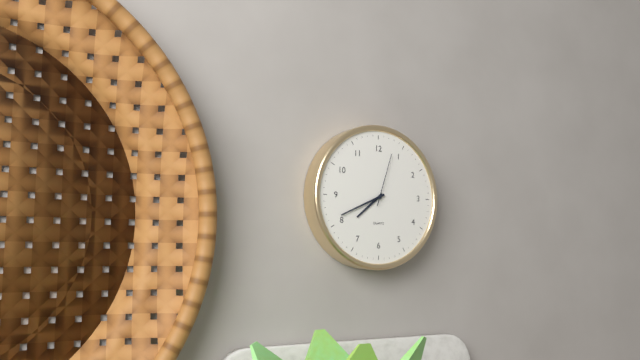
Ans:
7 h 41 min 03 s
